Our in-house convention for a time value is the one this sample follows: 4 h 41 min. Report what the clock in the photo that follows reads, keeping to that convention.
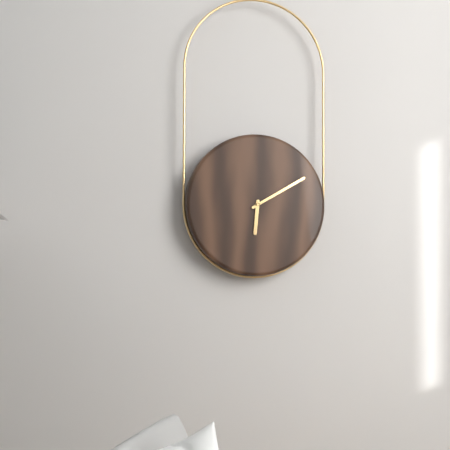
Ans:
6 h 10 min
